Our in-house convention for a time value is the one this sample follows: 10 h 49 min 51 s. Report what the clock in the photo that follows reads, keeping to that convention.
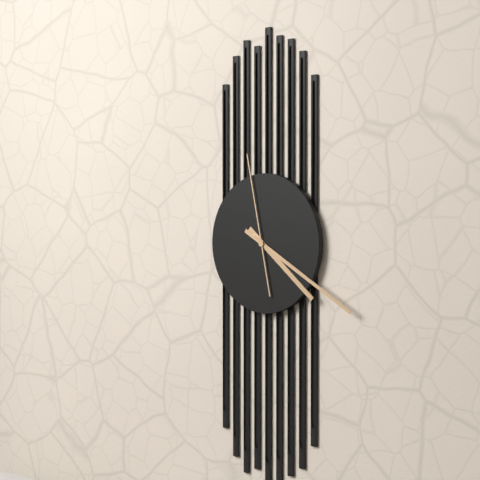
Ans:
4 h 20 min 58 s
